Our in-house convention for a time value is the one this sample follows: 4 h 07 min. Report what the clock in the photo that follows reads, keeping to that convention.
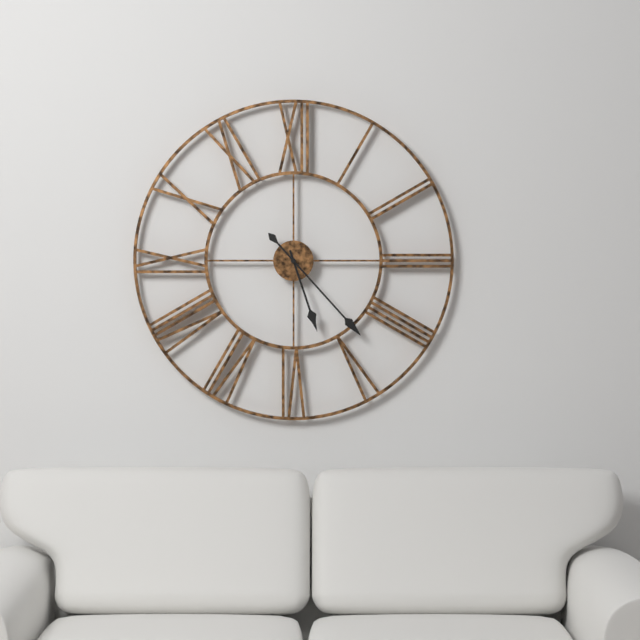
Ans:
5 h 23 min
